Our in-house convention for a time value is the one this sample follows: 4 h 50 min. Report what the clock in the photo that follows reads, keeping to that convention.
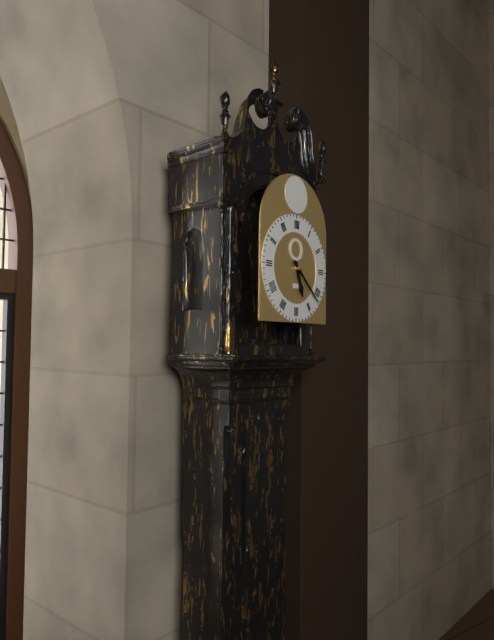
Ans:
5 h 22 min
